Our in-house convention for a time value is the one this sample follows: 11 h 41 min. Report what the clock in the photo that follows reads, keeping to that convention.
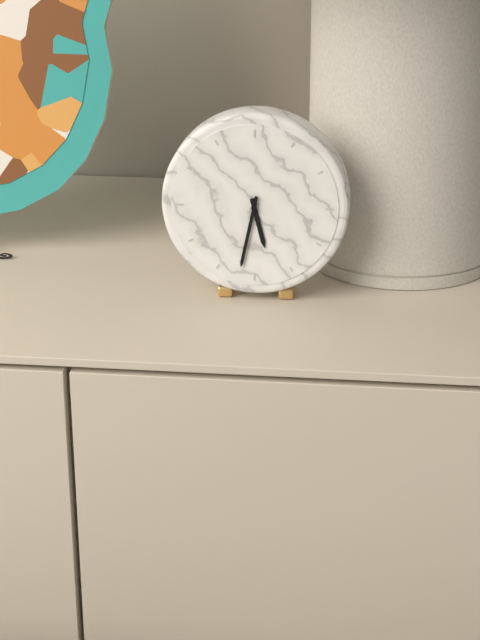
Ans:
5 h 32 min
